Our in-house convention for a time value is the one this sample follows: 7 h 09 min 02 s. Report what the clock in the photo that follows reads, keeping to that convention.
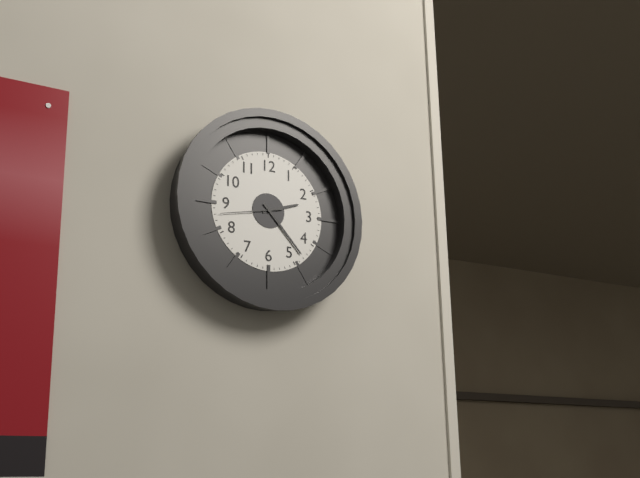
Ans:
2 h 23 min 43 s
